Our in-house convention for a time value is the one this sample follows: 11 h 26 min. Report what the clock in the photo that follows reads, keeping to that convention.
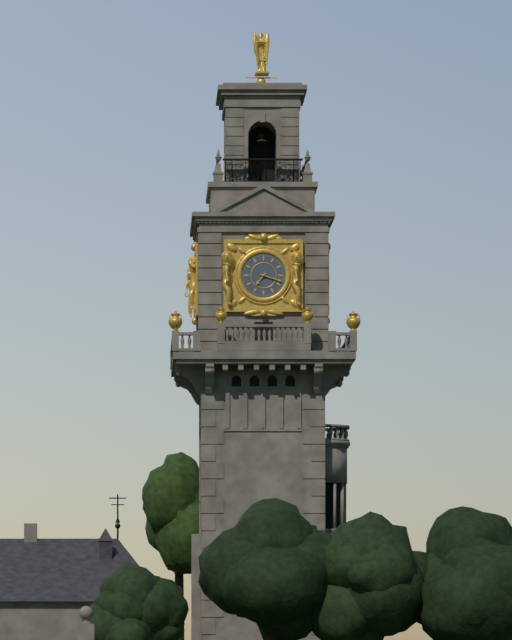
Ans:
7 h 18 min
